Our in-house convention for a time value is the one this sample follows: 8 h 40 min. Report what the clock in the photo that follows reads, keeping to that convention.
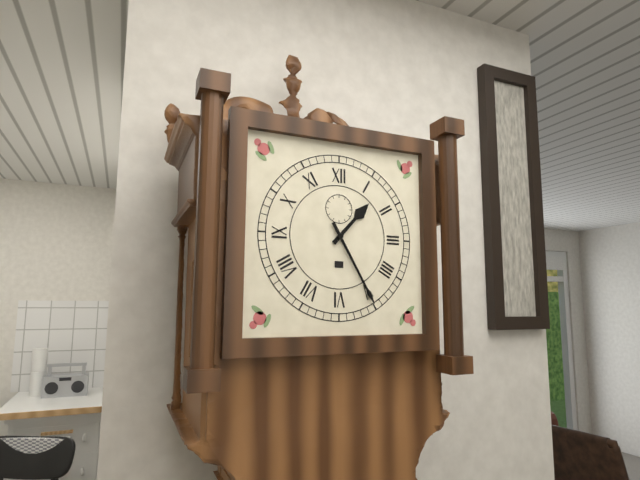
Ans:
1 h 25 min
